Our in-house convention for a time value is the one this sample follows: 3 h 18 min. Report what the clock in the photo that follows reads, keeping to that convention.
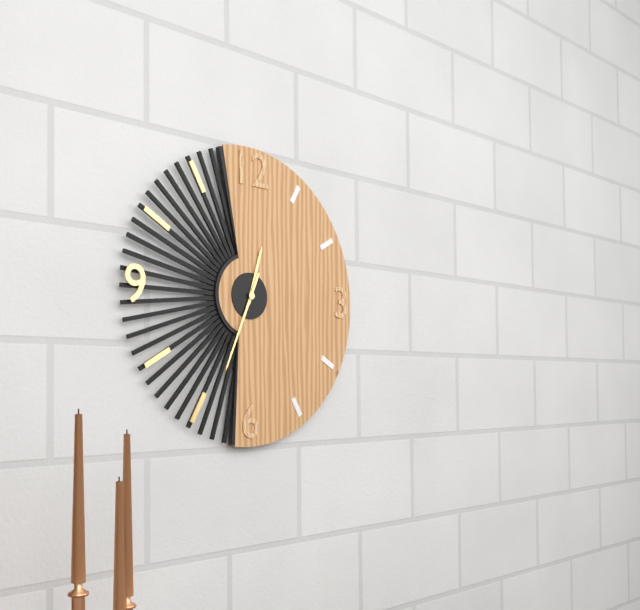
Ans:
12 h 34 min
